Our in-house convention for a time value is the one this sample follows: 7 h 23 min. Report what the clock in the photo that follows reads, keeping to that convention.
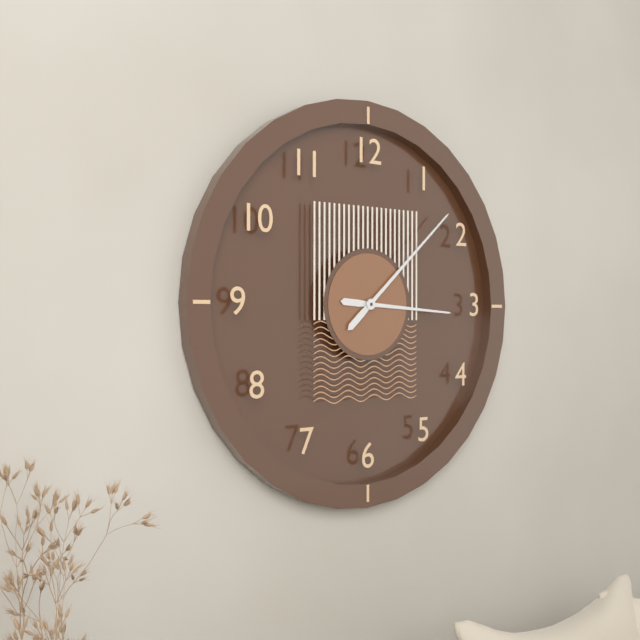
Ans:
3 h 08 min
